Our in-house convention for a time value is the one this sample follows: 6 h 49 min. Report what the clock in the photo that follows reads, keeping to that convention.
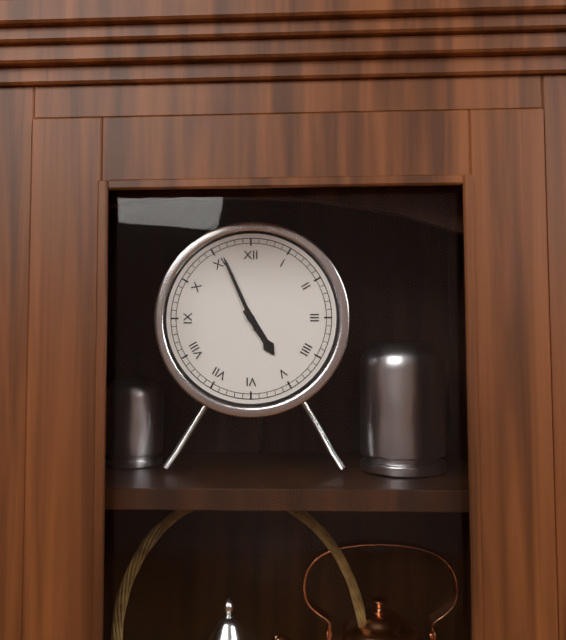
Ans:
4 h 56 min
